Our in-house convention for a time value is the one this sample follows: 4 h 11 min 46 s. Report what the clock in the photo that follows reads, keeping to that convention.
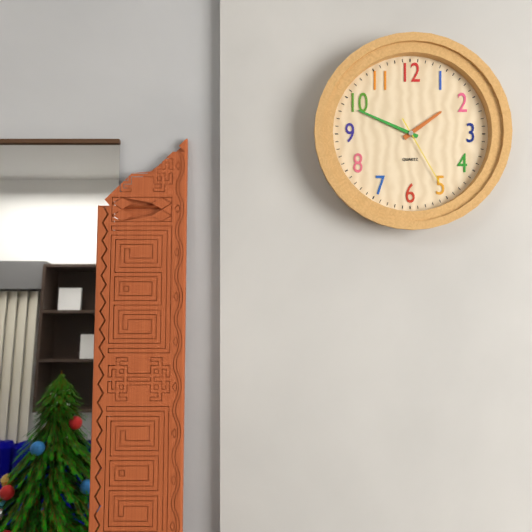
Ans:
1 h 49 min 25 s
